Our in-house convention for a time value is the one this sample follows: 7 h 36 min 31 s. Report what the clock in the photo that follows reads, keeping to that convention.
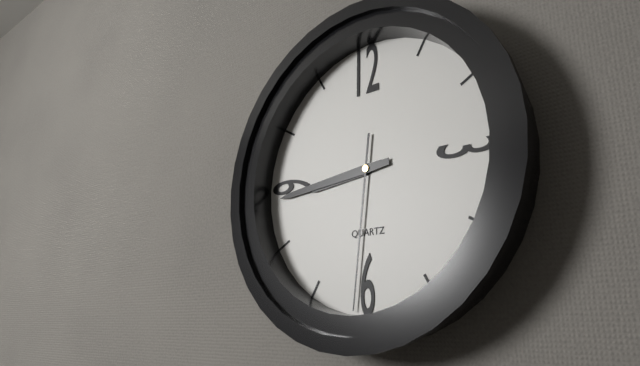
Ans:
8 h 44 min 31 s
